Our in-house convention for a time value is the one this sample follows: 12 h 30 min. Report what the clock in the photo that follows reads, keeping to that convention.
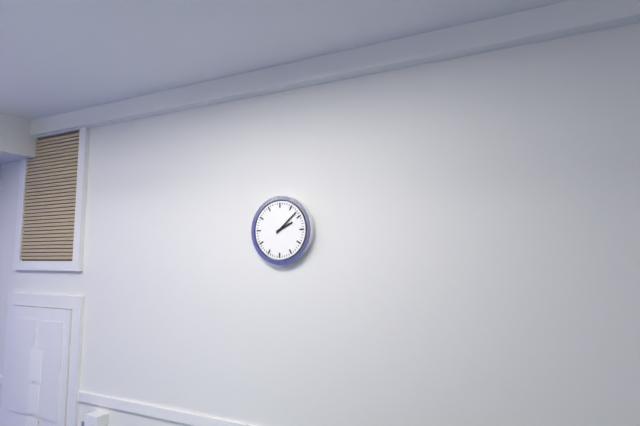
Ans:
2 h 08 min
